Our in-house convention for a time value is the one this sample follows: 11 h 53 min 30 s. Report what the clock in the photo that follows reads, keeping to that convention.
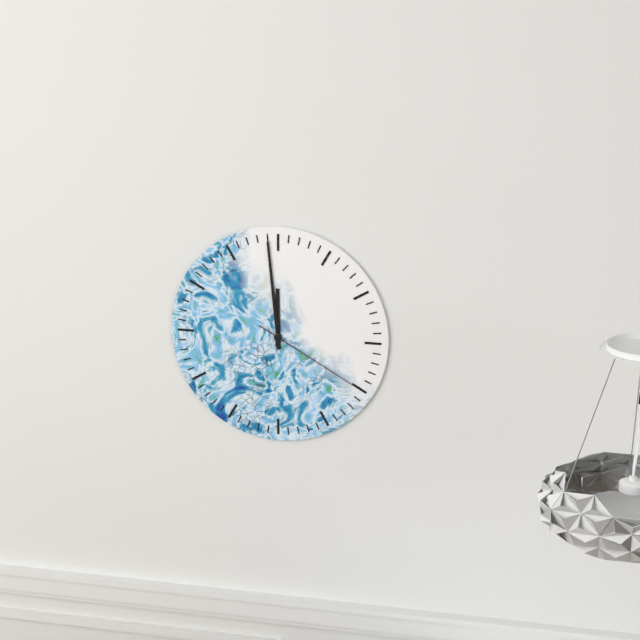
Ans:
11 h 59 min 20 s
